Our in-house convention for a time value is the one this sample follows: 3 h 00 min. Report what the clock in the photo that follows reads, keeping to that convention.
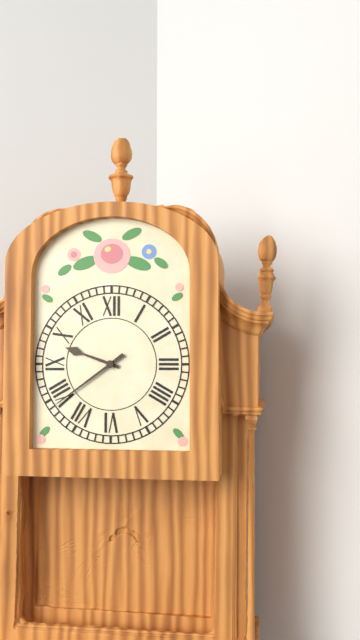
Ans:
9 h 39 min
